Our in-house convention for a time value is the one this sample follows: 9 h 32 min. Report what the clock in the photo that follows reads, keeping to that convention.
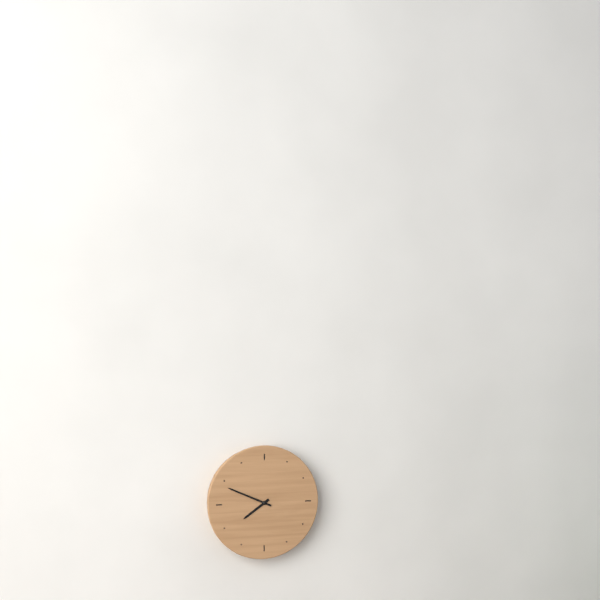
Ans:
7 h 49 min
